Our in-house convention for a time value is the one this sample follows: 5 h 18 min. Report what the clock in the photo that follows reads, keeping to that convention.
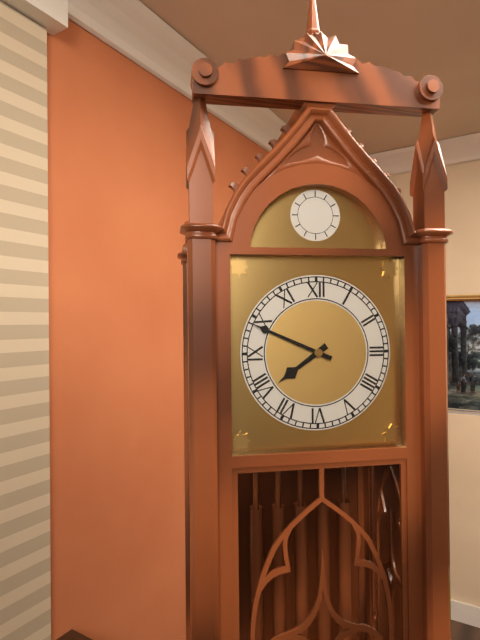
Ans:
7 h 49 min
